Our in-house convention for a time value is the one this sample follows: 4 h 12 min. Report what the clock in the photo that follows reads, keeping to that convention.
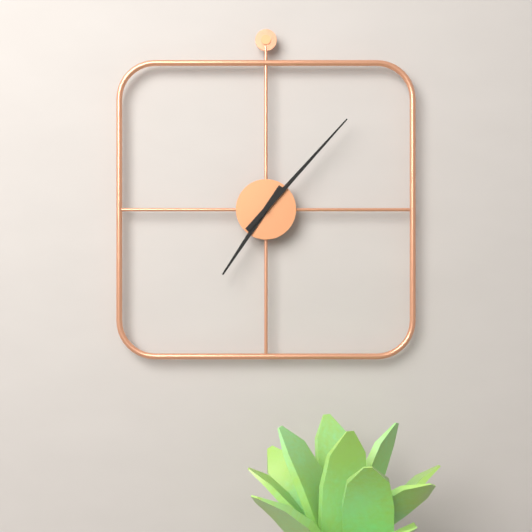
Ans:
7 h 07 min
